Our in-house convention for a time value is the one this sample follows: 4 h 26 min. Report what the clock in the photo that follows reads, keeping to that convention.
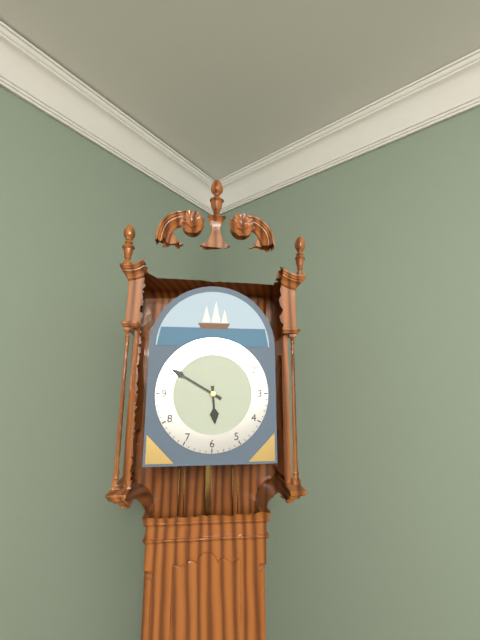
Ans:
5 h 50 min
